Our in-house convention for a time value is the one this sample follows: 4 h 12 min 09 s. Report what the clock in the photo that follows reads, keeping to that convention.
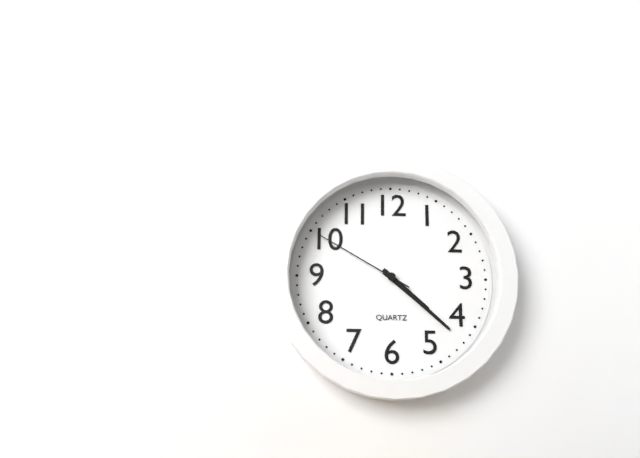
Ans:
4 h 22 min 50 s
